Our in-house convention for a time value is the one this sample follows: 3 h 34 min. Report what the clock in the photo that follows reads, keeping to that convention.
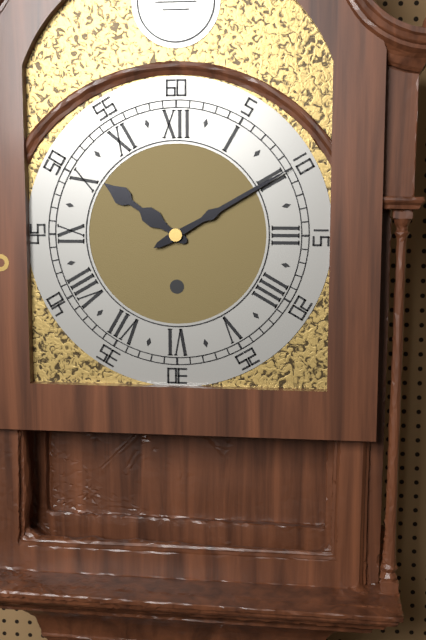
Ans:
10 h 10 min
